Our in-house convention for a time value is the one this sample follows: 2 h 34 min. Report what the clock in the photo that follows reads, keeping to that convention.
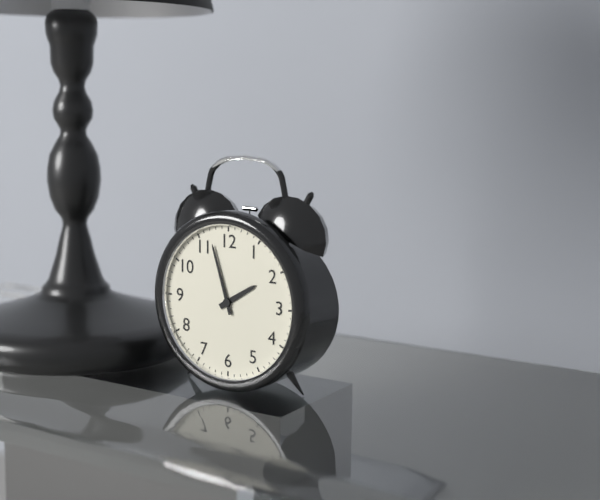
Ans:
1 h 57 min
